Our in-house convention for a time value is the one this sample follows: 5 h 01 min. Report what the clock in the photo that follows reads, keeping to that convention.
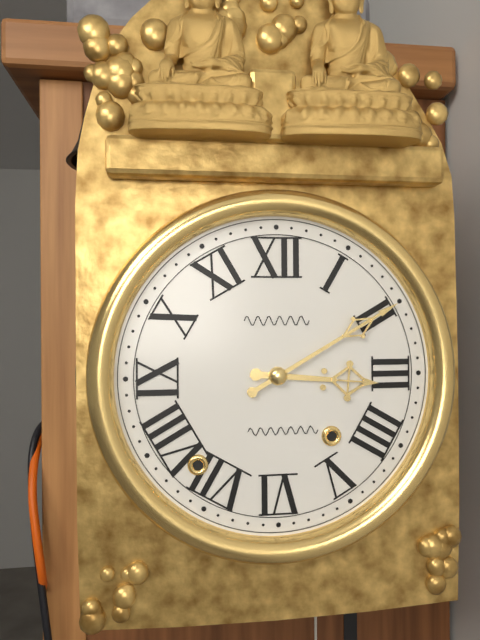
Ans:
3 h 10 min
